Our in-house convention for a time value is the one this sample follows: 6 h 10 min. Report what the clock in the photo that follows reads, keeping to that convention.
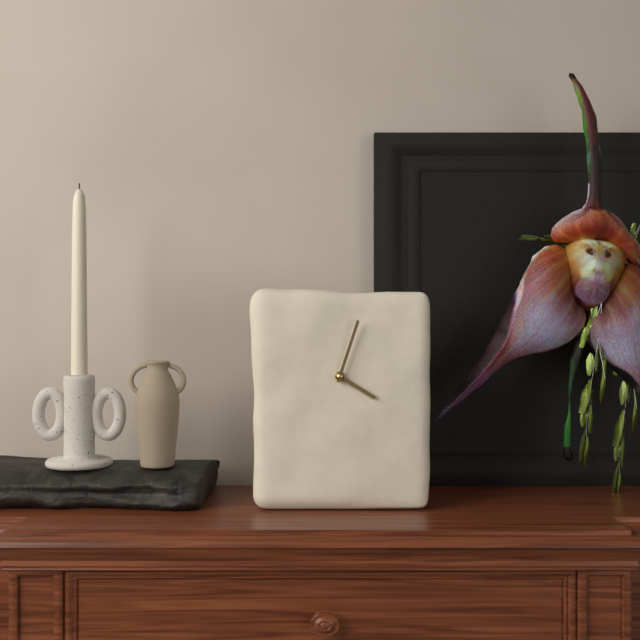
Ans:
4 h 03 min
